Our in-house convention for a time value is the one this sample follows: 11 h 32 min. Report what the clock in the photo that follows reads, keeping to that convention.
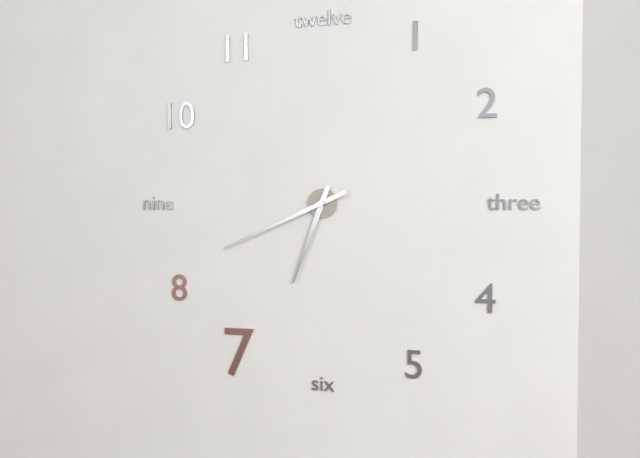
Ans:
6 h 41 min
